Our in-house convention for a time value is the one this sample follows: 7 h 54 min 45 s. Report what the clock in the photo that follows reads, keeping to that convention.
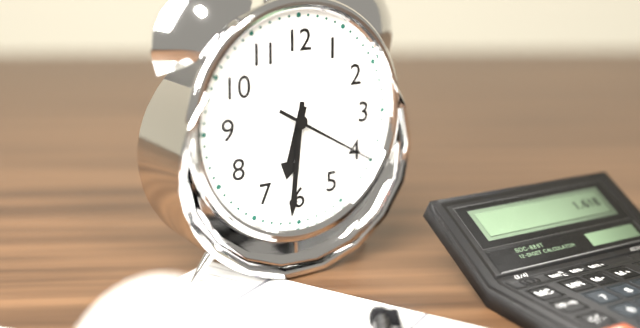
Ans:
6 h 31 min 20 s
